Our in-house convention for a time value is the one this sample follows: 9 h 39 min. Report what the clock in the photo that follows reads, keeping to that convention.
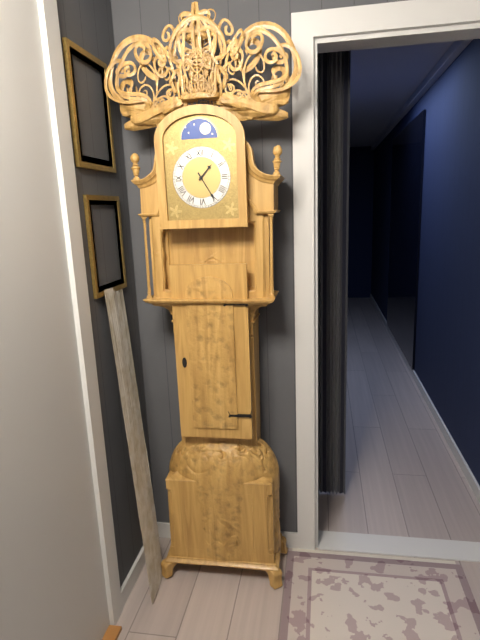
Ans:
1 h 25 min
